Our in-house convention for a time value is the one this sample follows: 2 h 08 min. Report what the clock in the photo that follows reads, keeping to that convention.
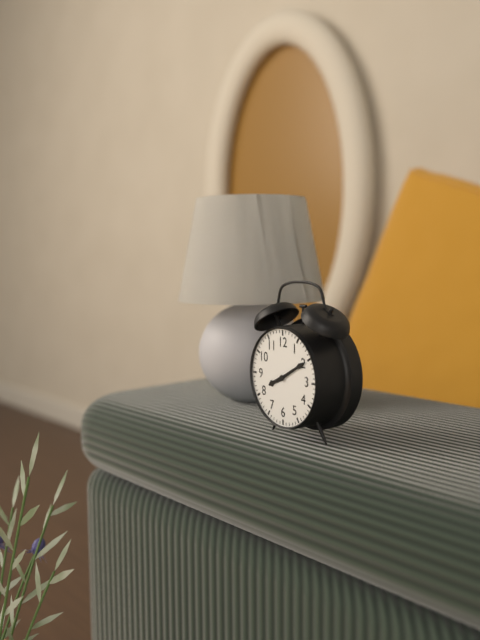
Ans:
8 h 10 min
